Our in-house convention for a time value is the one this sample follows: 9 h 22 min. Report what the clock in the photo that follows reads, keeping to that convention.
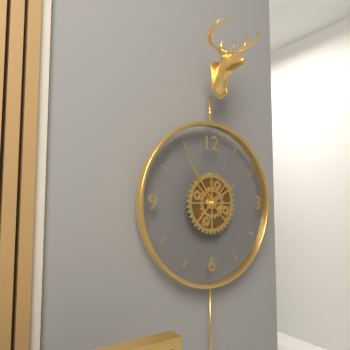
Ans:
1 h 54 min
